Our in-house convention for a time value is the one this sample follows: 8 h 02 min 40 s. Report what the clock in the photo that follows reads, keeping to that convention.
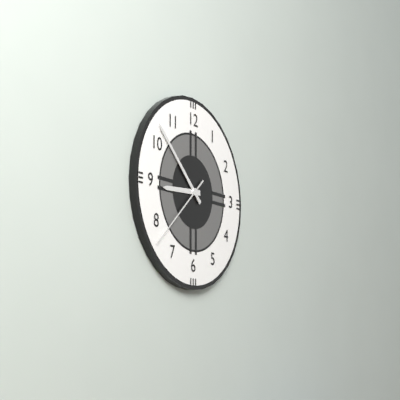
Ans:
8 h 52 min 38 s
